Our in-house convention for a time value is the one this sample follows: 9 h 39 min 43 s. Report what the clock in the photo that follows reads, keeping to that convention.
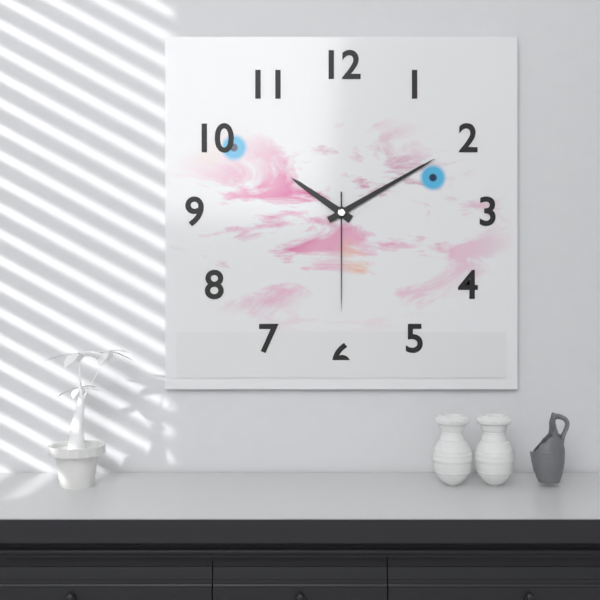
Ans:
10 h 10 min 30 s
